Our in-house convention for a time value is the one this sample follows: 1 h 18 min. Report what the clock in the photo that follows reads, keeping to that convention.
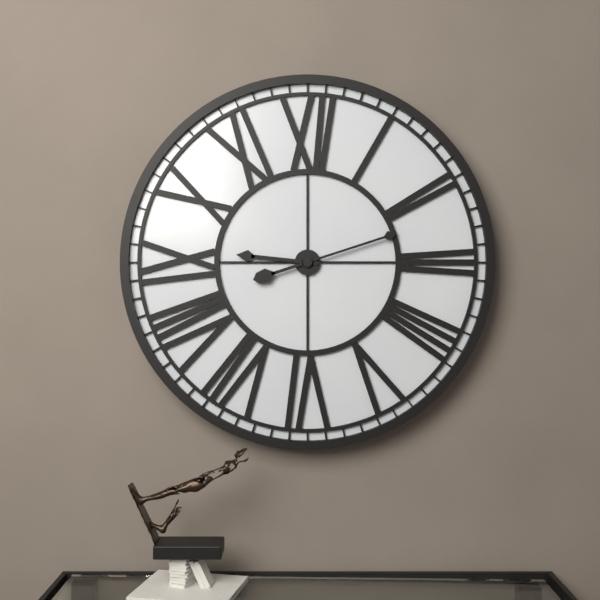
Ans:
9 h 12 min
